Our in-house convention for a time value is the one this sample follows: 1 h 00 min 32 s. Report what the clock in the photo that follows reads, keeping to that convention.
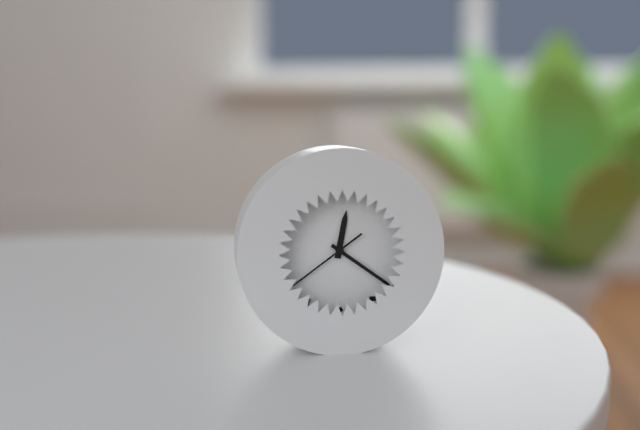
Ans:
12 h 21 min 39 s
